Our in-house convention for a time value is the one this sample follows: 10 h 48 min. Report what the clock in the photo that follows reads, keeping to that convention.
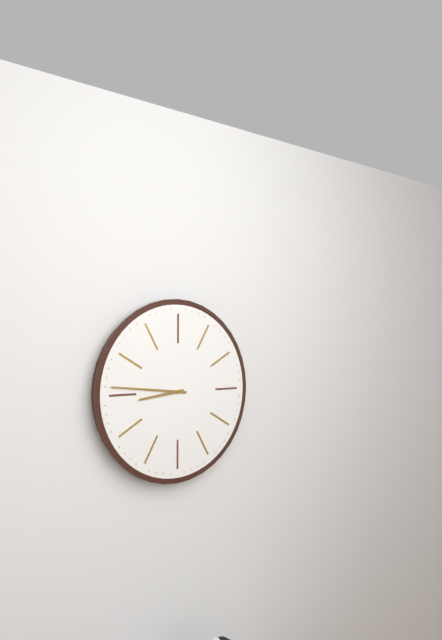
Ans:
8 h 46 min
